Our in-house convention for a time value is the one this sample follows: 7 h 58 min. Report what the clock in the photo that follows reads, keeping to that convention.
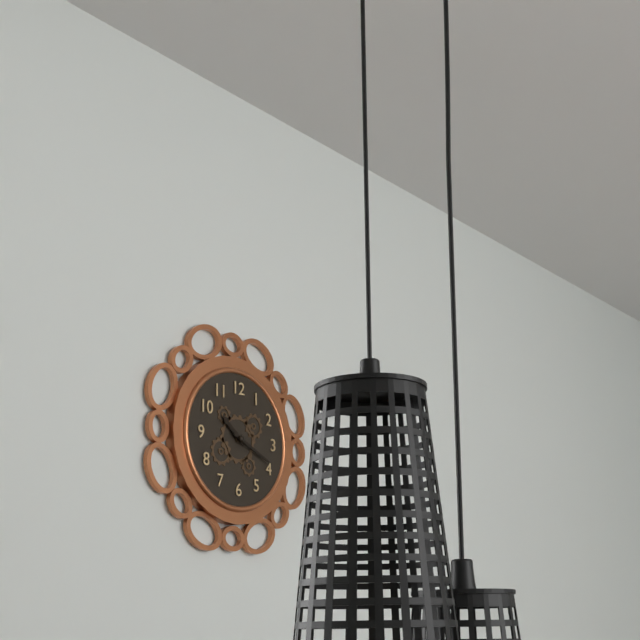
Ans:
10 h 19 min
